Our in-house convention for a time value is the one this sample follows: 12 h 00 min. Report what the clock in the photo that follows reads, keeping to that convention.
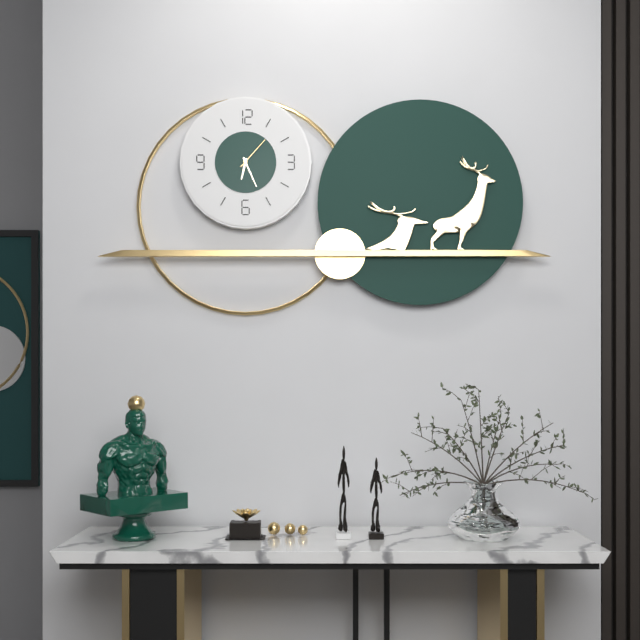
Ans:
6 h 26 min
